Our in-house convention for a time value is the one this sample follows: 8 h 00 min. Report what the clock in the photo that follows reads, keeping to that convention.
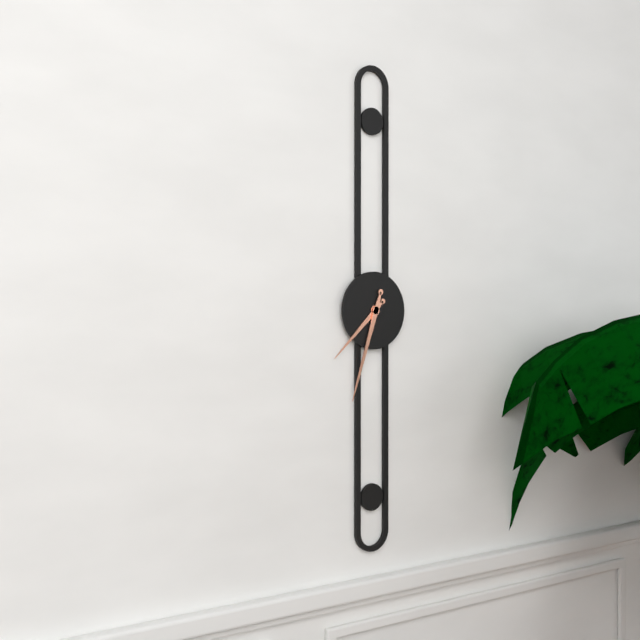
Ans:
7 h 33 min
